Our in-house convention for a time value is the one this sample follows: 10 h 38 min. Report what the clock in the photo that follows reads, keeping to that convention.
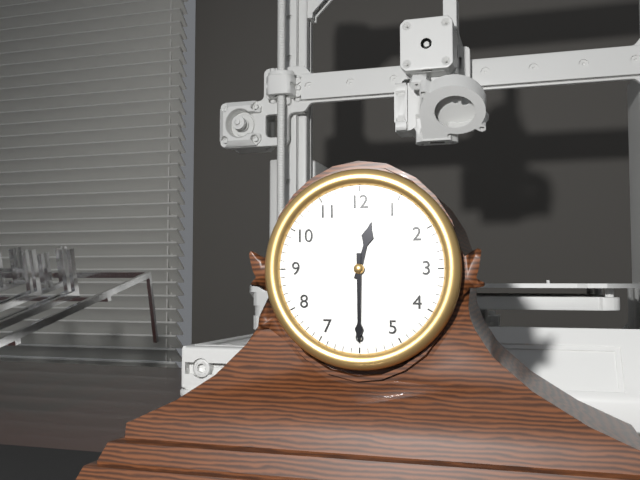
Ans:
12 h 30 min
